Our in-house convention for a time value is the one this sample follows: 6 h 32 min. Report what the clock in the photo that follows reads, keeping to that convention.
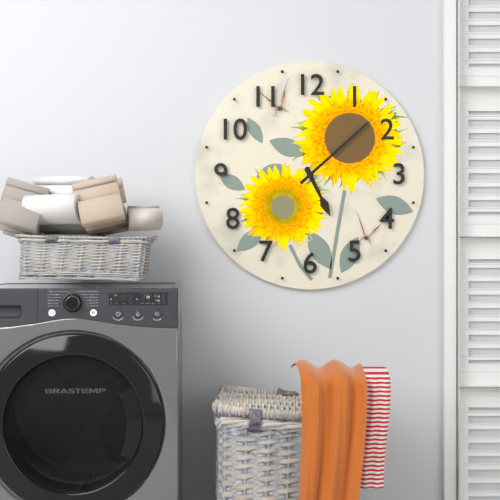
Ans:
5 h 08 min
